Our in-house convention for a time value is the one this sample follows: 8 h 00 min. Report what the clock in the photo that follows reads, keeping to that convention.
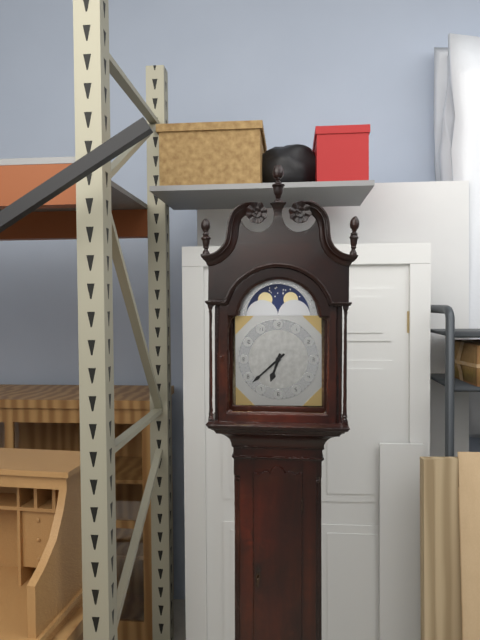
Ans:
6 h 38 min
